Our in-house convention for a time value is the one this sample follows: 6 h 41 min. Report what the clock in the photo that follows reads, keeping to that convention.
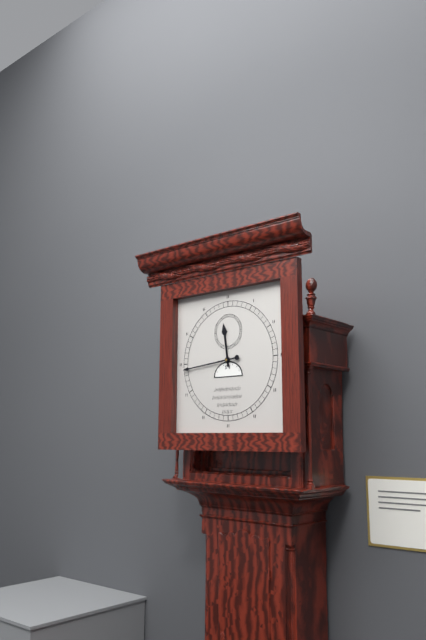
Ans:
11 h 44 min
